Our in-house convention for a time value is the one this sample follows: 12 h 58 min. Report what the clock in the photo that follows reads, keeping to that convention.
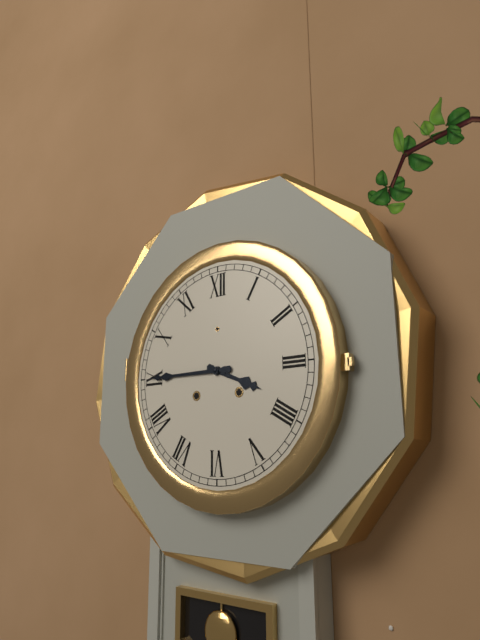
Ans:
3 h 45 min
